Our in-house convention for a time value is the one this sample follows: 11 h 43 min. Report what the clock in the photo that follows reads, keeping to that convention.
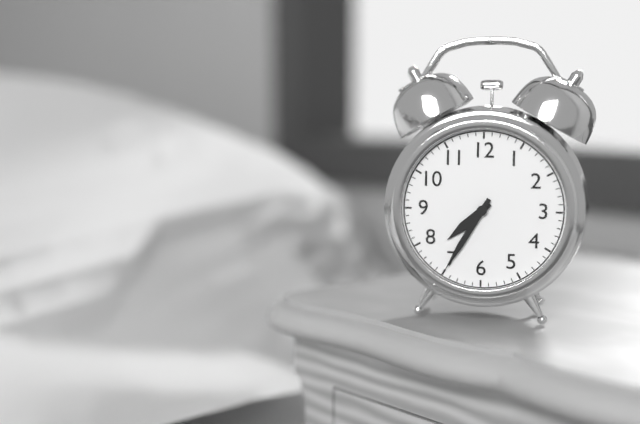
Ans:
7 h 35 min
